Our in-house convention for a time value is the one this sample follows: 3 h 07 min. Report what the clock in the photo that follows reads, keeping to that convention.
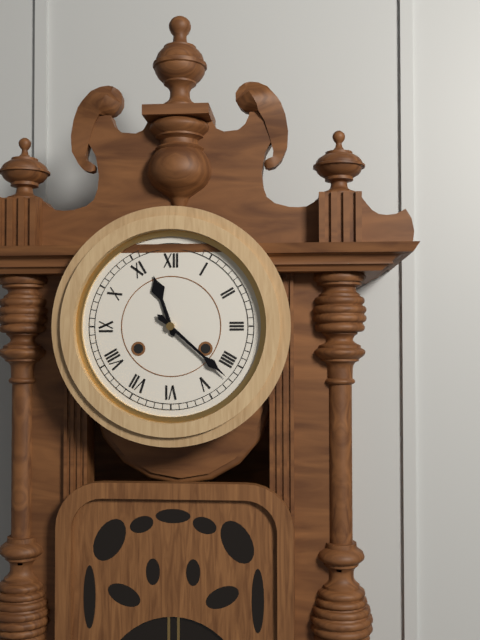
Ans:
11 h 22 min
